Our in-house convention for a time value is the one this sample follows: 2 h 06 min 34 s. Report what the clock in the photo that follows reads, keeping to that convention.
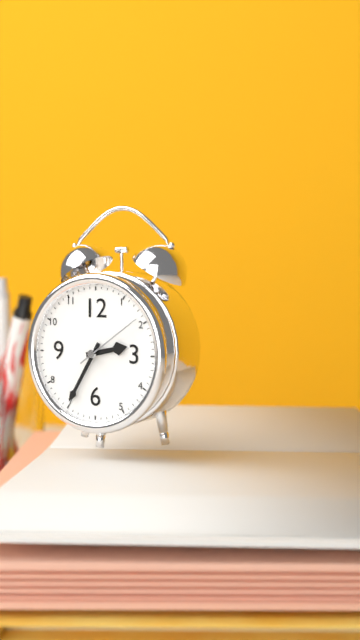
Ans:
2 h 35 min 09 s
